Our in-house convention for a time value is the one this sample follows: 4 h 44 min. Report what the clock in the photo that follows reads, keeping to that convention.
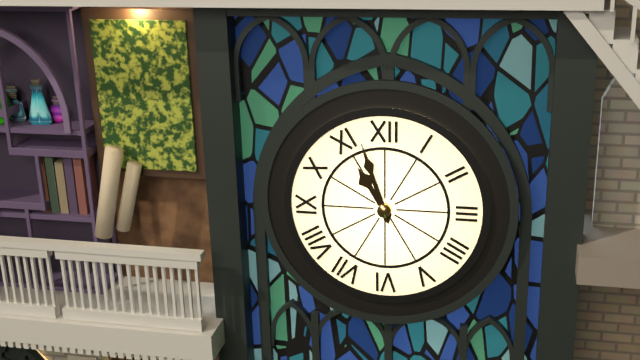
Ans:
10 h 57 min
